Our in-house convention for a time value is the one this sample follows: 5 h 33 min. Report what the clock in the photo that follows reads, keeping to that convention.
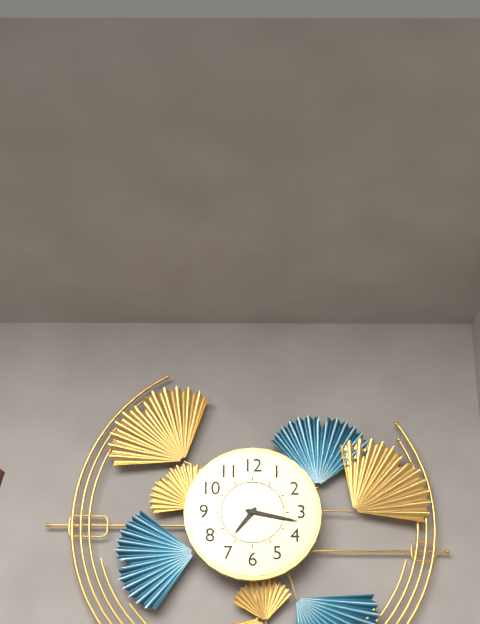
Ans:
7 h 17 min
